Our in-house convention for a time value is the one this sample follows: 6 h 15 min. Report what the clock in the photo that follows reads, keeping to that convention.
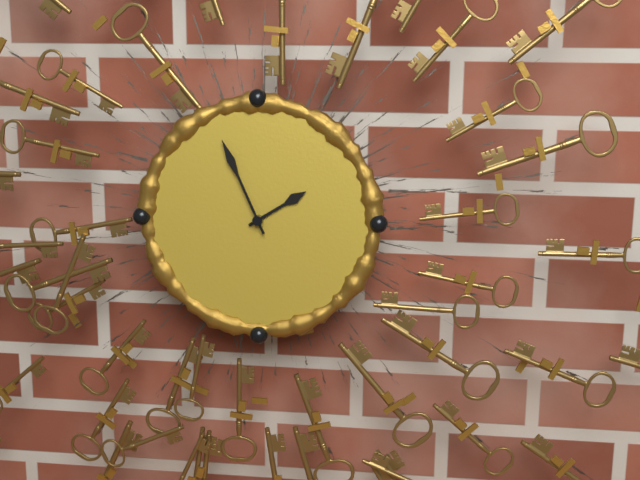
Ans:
1 h 56 min
